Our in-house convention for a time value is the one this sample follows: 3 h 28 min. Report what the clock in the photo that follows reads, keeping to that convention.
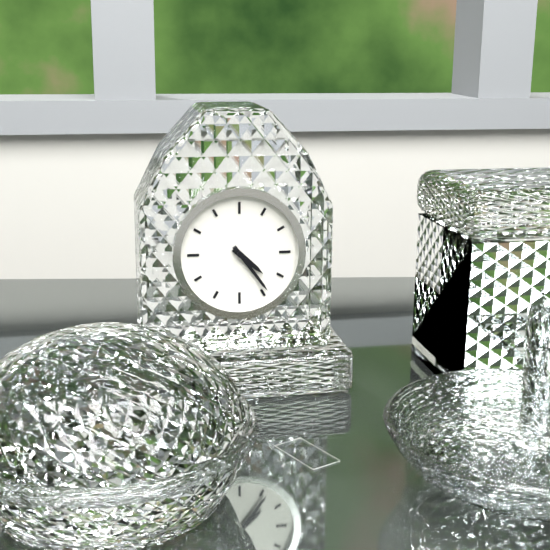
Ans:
4 h 24 min
